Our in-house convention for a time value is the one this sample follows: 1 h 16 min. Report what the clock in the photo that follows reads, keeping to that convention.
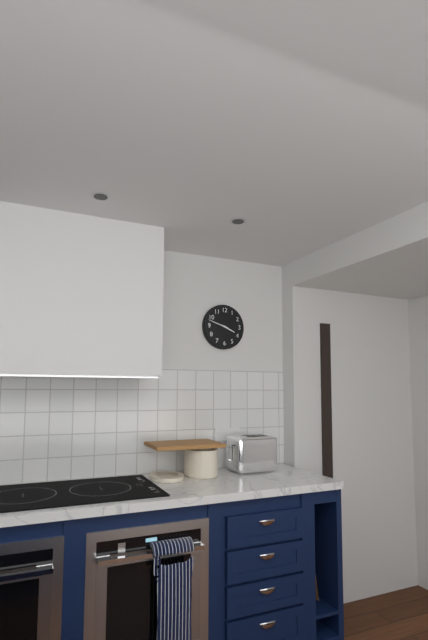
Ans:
3 h 48 min
